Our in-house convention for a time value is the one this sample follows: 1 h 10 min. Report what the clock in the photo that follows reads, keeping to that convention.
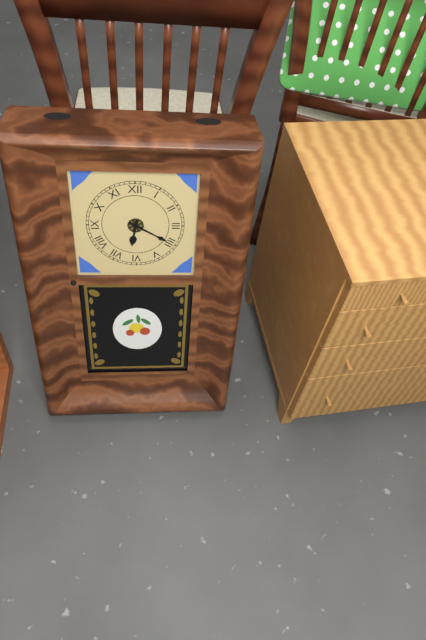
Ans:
6 h 20 min
